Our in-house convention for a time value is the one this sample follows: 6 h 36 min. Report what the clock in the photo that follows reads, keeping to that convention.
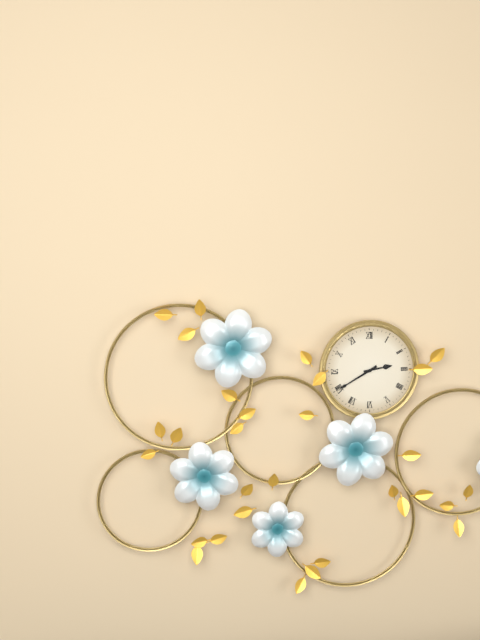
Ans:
2 h 40 min
